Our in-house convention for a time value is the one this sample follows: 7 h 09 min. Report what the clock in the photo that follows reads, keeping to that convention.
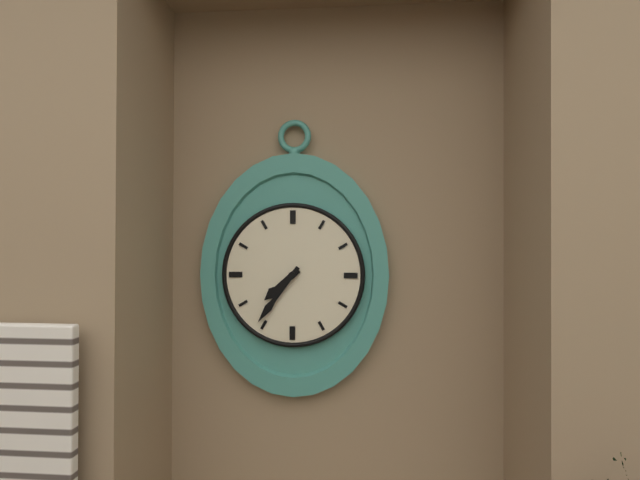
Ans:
7 h 36 min
